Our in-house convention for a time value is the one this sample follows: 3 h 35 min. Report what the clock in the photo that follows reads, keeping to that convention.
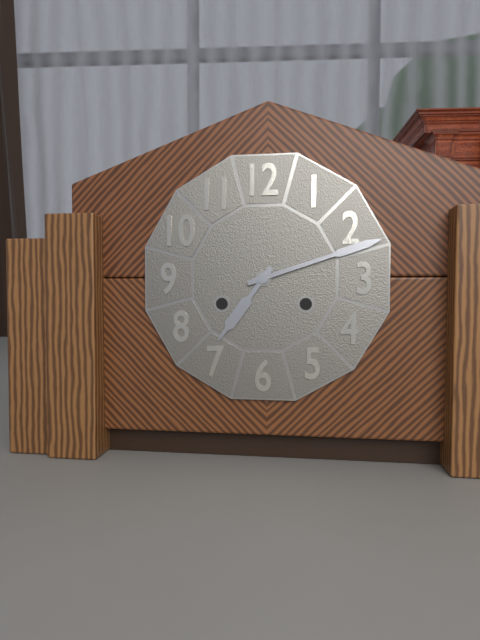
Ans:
7 h 12 min
